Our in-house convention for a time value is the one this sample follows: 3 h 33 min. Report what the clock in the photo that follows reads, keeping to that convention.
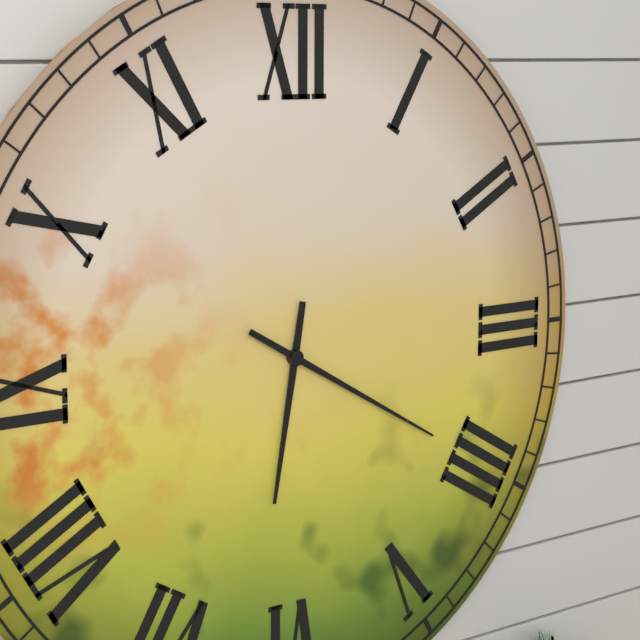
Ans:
6 h 20 min
